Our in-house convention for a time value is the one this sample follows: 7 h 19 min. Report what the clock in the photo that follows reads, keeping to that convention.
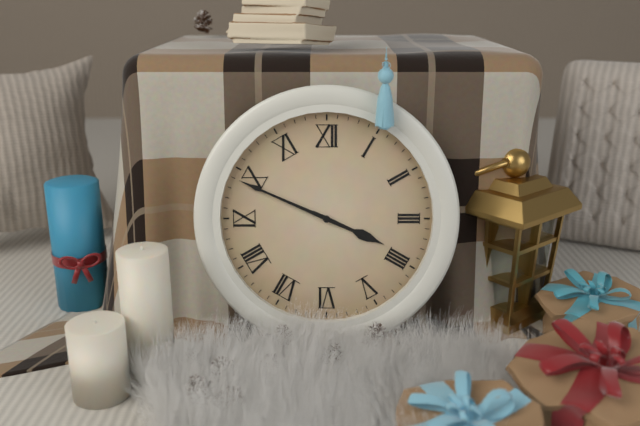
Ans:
3 h 49 min
